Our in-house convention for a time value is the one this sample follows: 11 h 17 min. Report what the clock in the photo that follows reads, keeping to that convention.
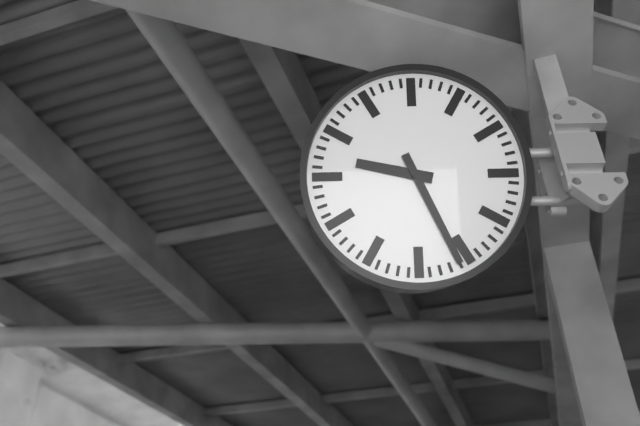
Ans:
9 h 26 min
